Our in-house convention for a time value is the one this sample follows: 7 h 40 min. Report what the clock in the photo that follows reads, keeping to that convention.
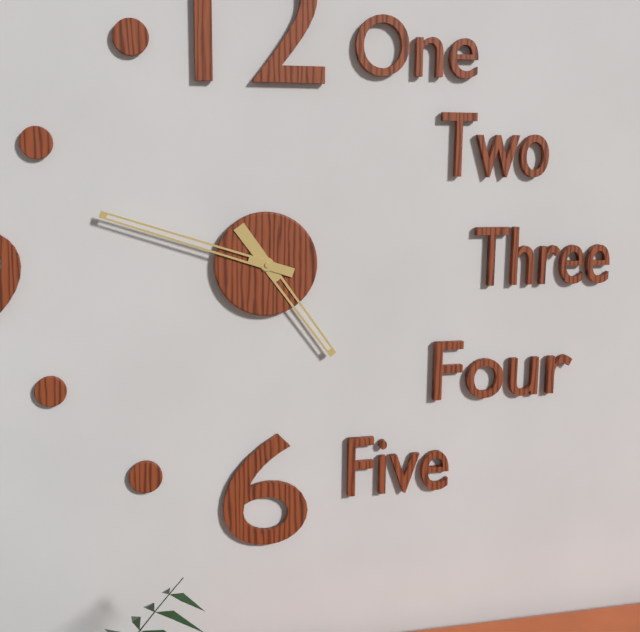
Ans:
4 h 48 min
